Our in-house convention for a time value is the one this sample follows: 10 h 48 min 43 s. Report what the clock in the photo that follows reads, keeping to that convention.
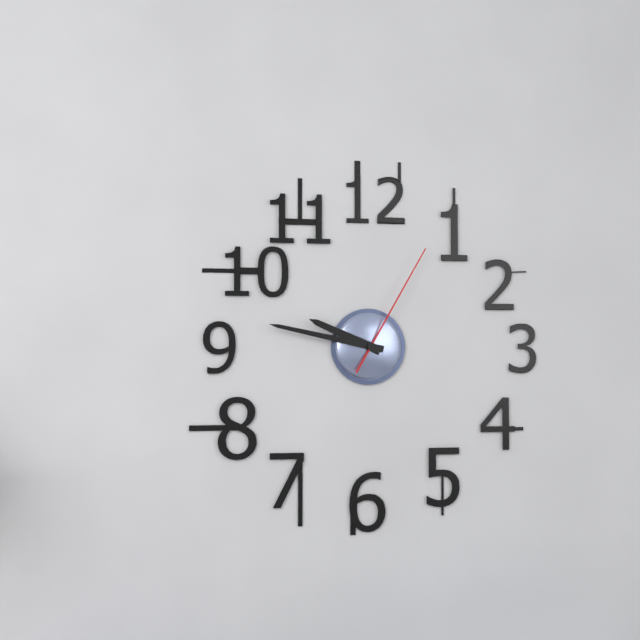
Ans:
9 h 47 min 05 s
